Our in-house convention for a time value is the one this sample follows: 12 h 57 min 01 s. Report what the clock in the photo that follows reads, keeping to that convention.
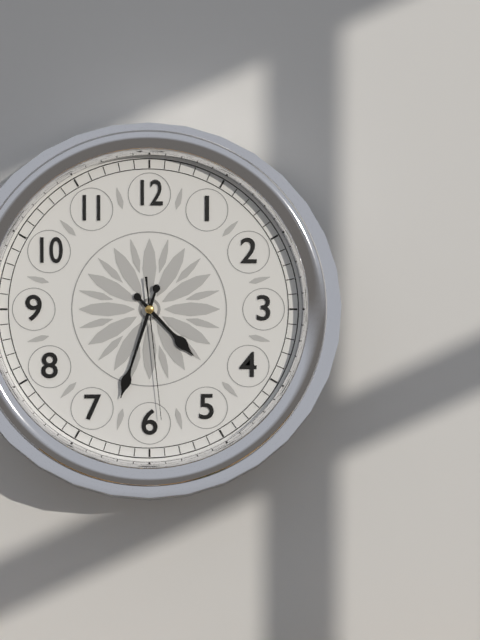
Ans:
4 h 33 min 29 s
